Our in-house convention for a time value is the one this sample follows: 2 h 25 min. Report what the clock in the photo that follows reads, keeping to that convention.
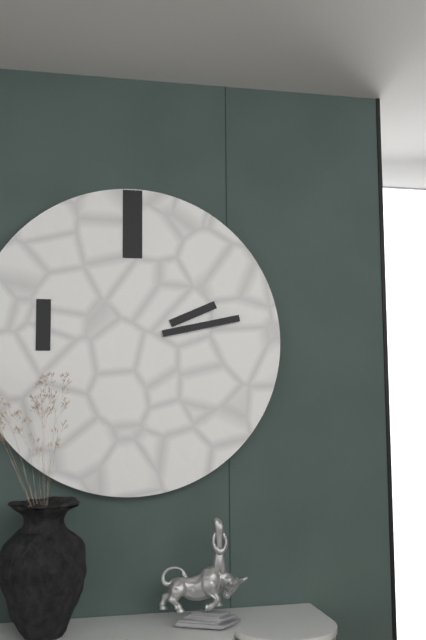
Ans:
2 h 13 min
